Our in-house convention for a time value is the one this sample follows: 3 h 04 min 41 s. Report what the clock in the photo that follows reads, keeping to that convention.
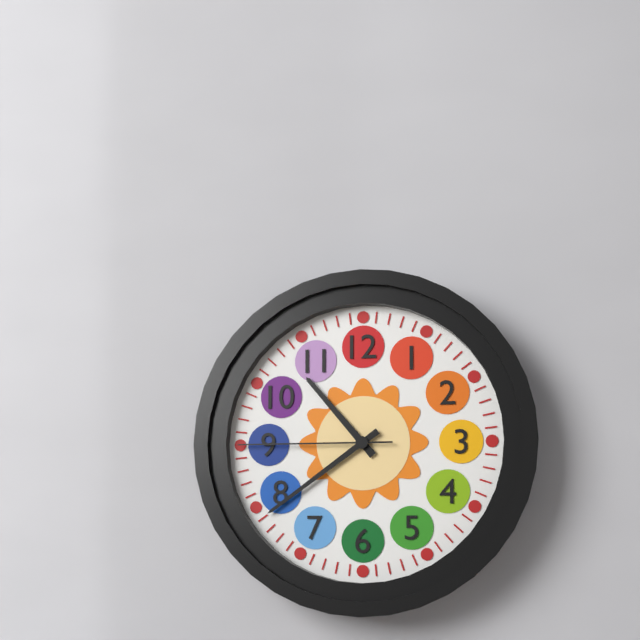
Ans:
10 h 39 min 45 s
